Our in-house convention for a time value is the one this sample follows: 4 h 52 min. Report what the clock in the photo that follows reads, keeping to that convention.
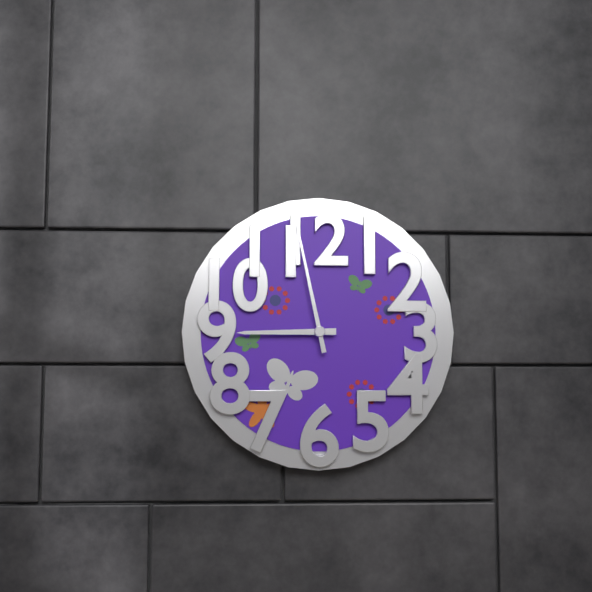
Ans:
8 h 58 min
